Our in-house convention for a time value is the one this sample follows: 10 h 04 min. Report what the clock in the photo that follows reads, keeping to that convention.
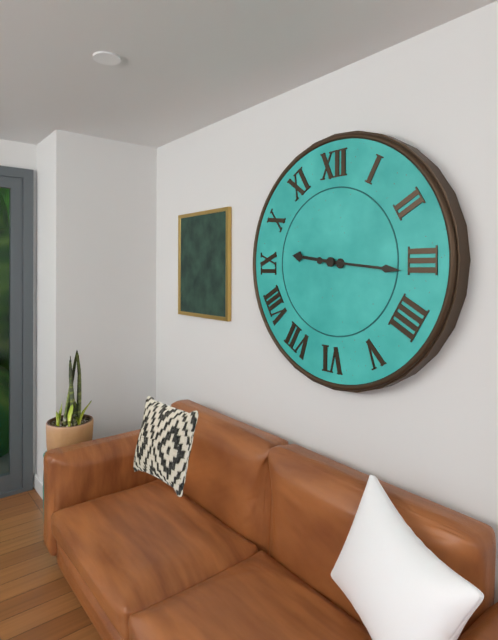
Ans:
9 h 16 min
